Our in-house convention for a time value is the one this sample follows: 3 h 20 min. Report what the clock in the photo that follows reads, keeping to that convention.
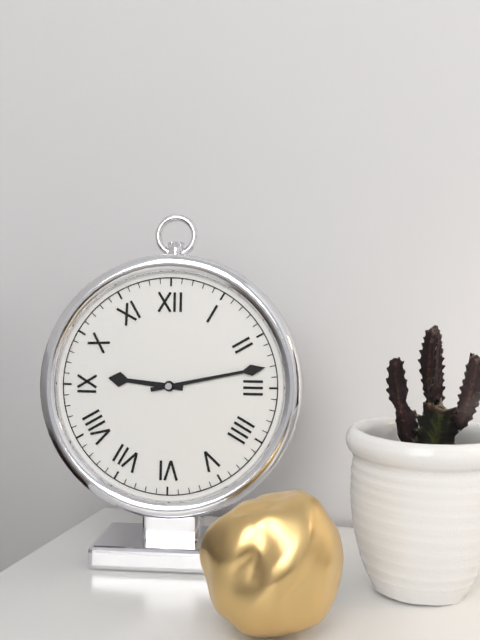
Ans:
9 h 13 min
